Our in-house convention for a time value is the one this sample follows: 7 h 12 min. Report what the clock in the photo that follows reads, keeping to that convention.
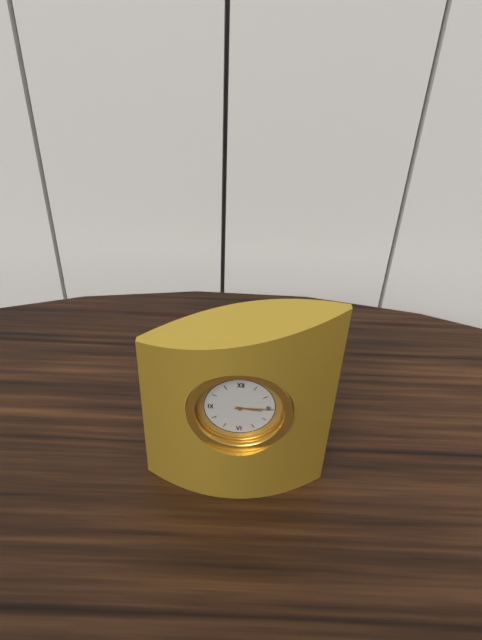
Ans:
3 h 15 min
